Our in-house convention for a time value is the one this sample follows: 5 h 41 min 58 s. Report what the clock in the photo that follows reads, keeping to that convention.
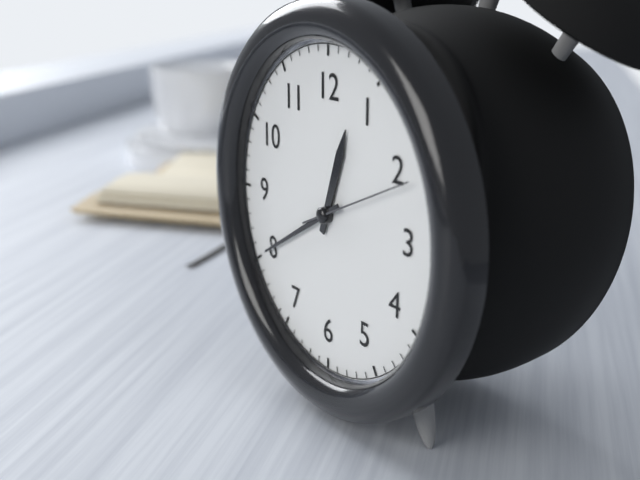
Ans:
12 h 40 min 11 s
